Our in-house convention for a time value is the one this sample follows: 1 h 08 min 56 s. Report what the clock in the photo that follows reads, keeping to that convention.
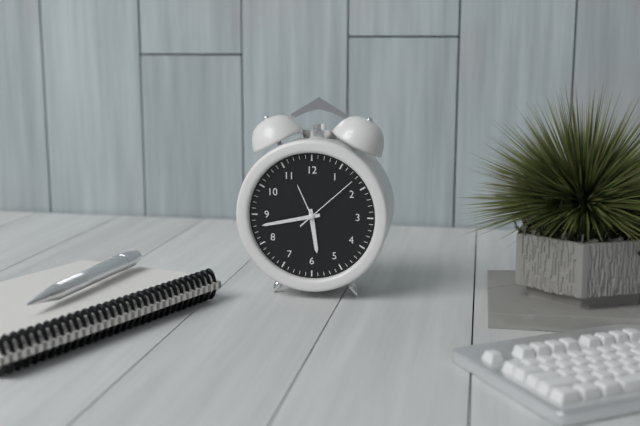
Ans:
5 h 43 min 08 s
